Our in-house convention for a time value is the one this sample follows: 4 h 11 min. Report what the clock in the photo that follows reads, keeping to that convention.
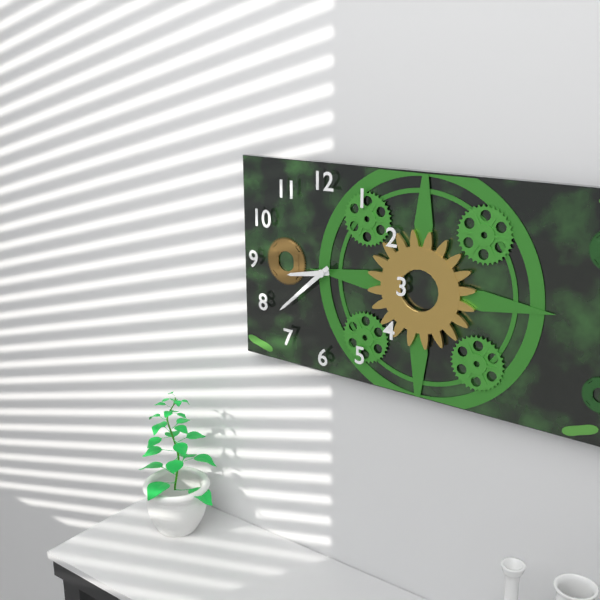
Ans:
8 h 38 min
